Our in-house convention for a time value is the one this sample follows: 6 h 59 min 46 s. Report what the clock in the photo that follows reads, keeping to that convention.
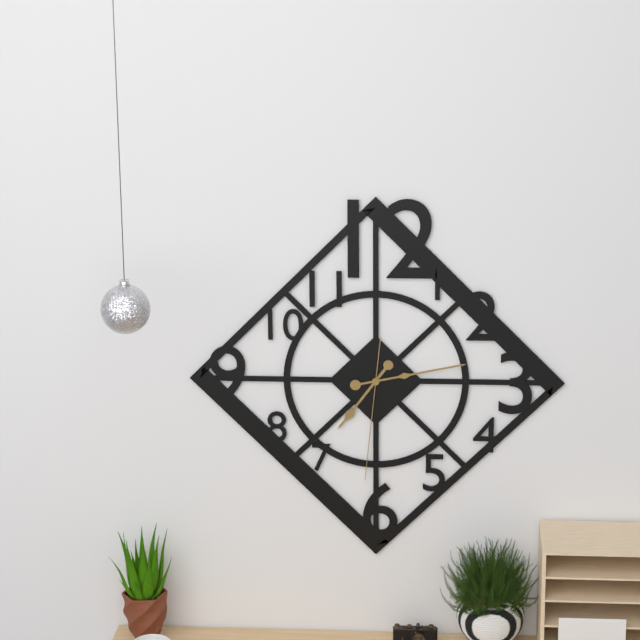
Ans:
7 h 13 min 31 s
